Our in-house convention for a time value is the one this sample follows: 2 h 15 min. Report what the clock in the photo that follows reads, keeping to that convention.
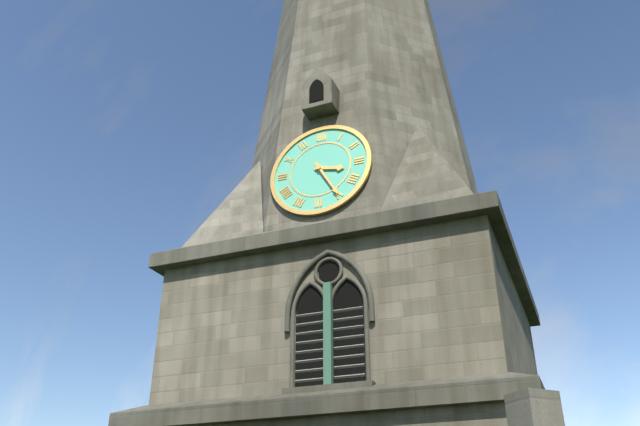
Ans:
3 h 25 min
